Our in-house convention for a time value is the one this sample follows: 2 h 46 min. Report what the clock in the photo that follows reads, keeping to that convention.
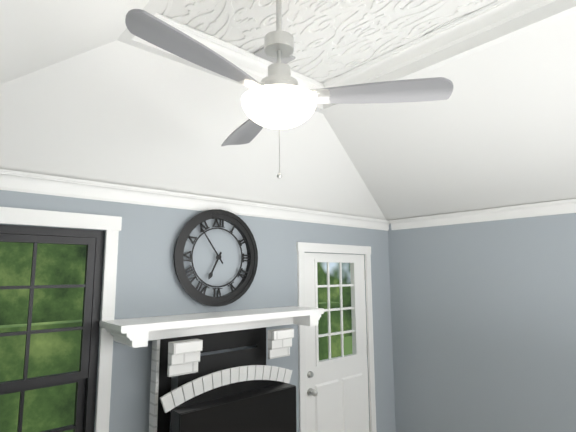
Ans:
6 h 54 min
